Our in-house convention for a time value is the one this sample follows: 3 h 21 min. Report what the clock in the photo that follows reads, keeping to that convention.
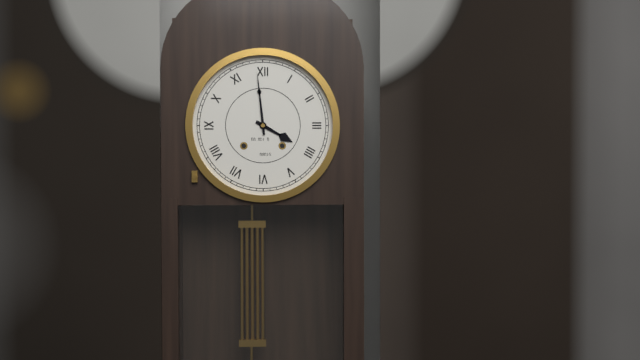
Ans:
3 h 59 min
